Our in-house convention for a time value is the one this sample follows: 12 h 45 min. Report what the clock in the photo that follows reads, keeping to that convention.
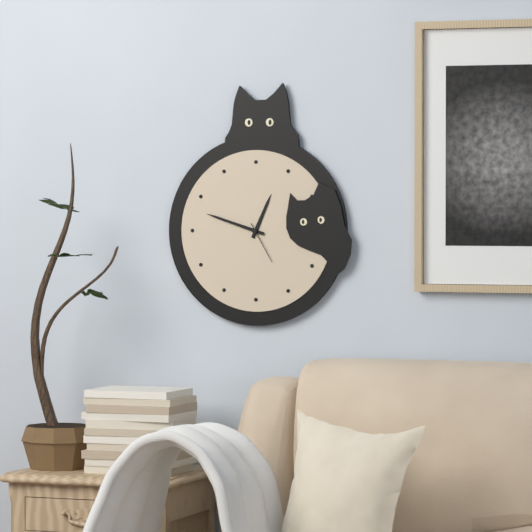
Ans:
12 h 48 min
